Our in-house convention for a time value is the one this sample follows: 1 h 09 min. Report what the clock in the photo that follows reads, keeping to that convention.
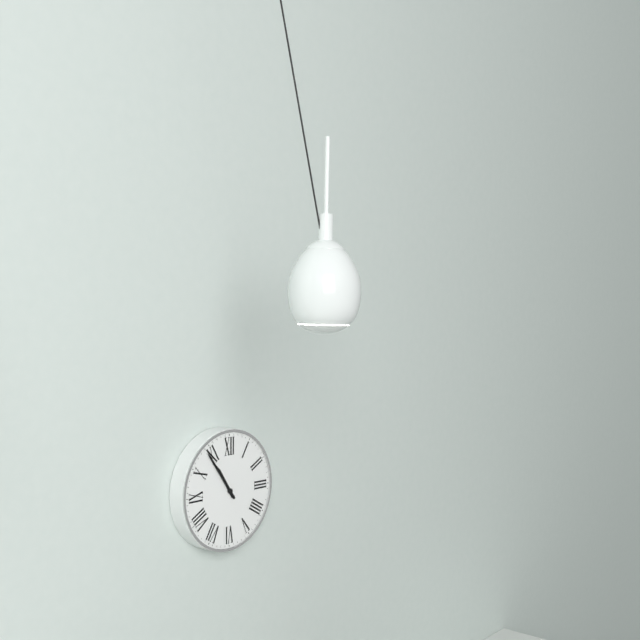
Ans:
10 h 54 min
